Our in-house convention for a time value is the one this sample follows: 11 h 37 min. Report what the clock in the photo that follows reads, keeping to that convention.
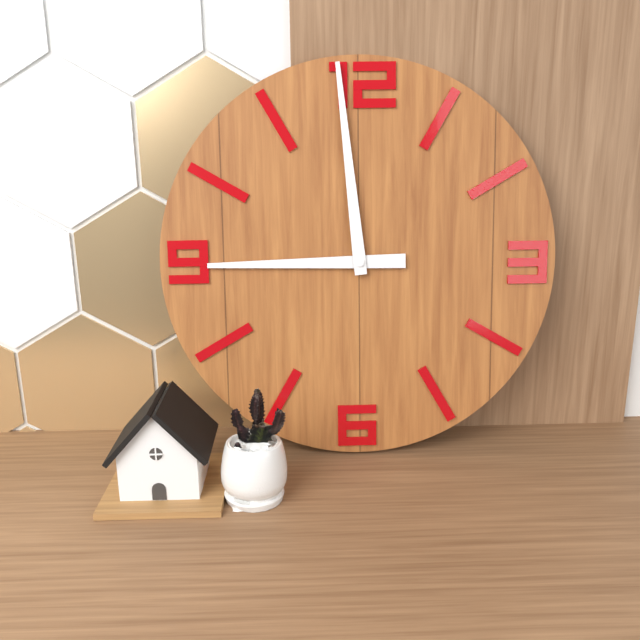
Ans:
8 h 59 min
